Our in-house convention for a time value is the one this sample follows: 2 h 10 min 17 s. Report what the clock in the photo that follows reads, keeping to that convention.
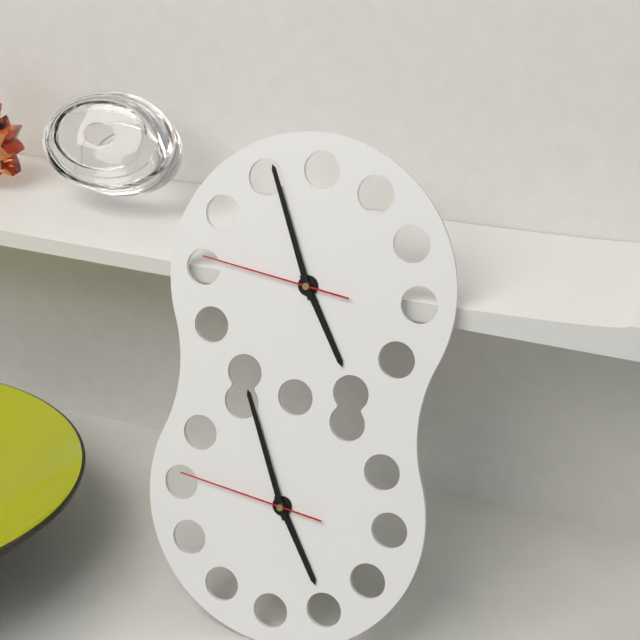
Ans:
4 h 56 min 46 s
